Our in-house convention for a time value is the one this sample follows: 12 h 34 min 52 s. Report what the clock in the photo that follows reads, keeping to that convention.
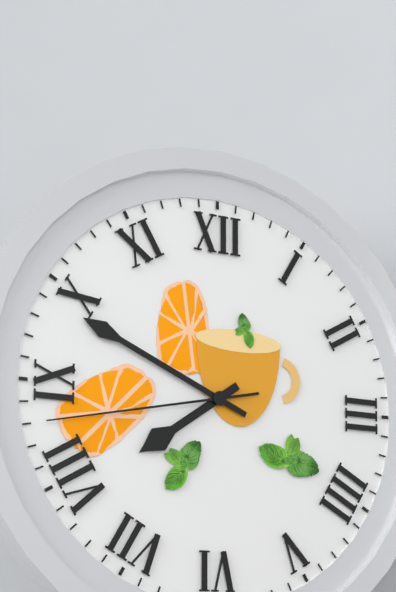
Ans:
7 h 49 min 43 s
